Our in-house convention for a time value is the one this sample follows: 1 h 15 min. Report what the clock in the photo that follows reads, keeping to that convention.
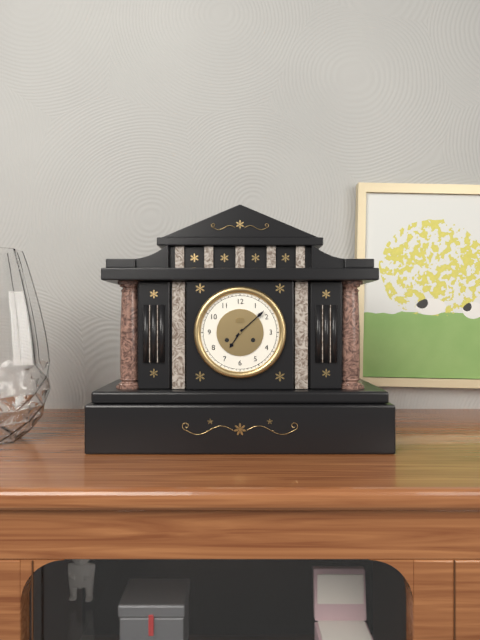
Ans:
7 h 08 min
